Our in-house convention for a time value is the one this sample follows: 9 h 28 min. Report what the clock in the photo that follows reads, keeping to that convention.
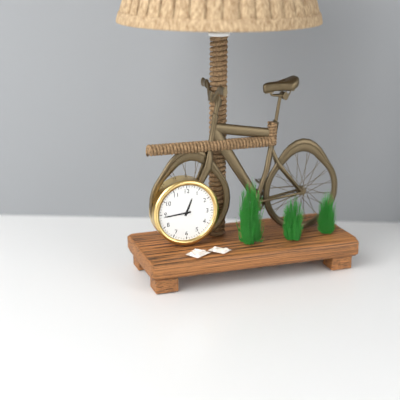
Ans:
12 h 44 min
